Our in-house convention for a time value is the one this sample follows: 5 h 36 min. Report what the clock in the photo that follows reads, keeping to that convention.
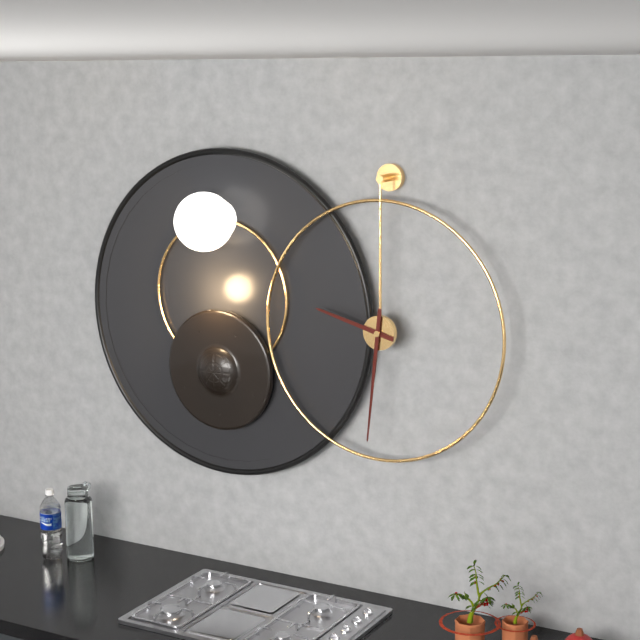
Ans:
9 h 31 min
